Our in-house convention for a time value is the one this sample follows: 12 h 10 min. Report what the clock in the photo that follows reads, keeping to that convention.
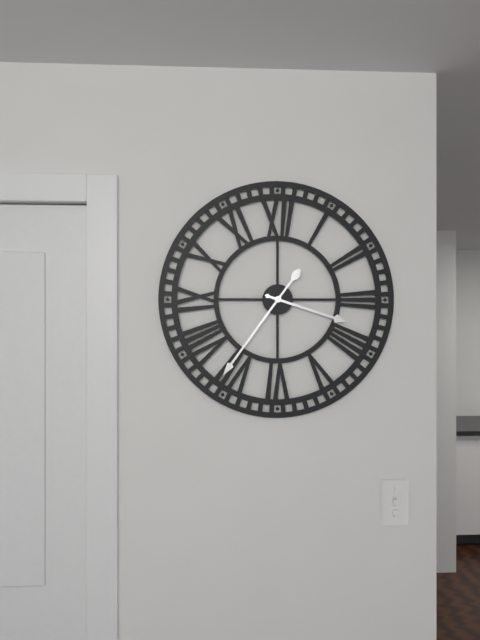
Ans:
3 h 36 min
